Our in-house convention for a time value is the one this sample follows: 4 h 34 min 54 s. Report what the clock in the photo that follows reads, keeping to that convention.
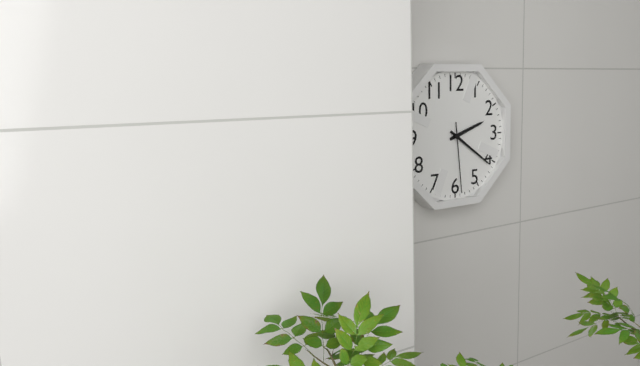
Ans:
2 h 21 min 29 s
